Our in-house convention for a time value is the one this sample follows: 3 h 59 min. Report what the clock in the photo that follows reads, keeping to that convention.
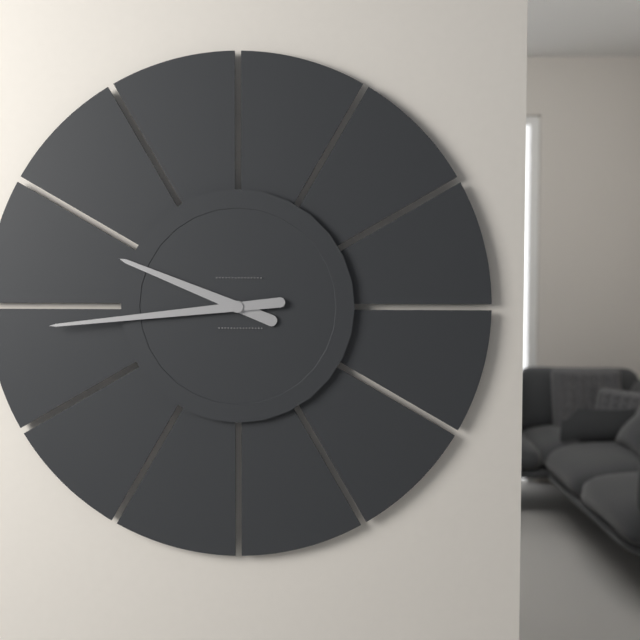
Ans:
9 h 44 min
